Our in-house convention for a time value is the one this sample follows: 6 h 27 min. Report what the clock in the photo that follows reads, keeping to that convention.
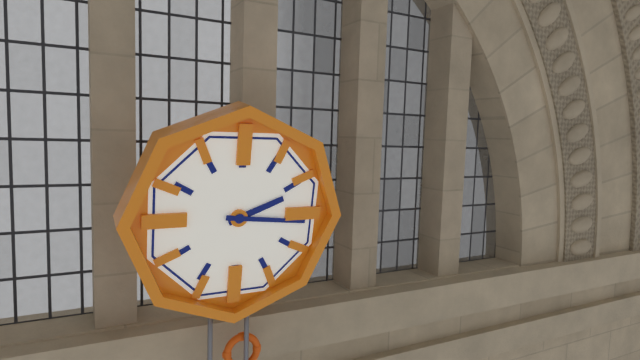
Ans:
2 h 16 min
